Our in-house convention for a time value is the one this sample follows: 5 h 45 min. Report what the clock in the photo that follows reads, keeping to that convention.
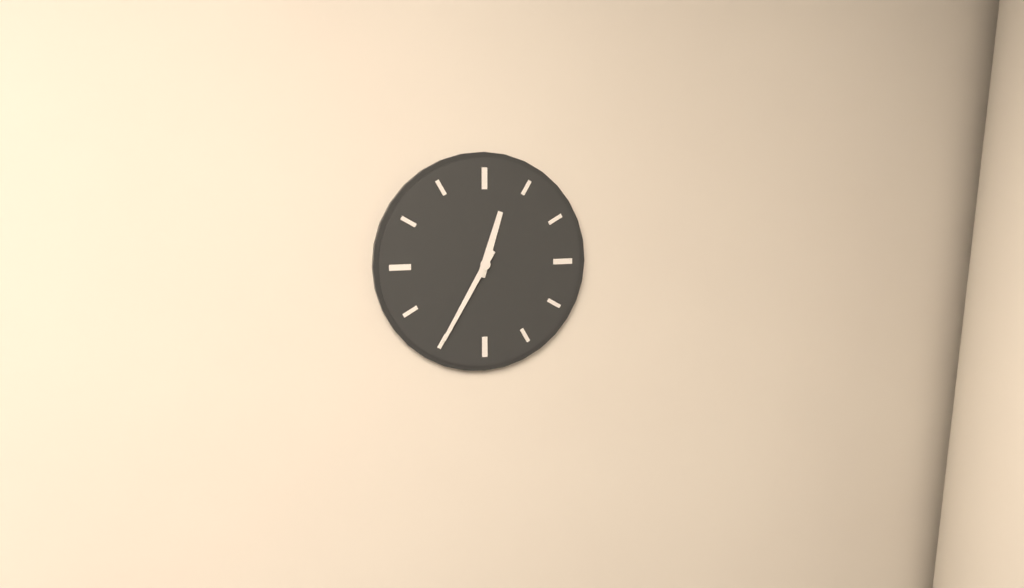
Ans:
12 h 35 min
